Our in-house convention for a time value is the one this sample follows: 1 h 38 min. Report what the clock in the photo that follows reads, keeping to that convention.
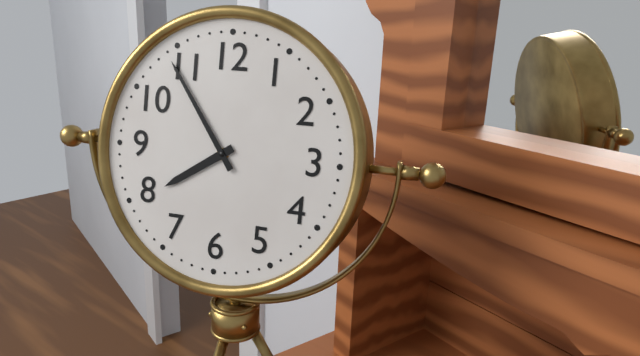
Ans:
7 h 54 min
